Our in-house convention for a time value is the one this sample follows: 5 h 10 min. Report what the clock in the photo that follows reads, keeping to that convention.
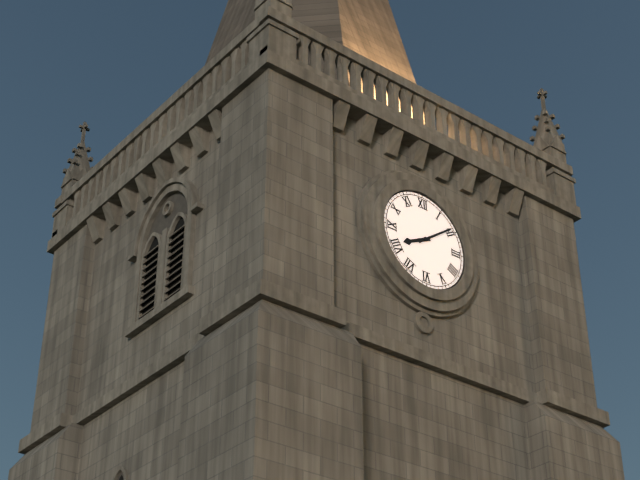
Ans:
8 h 09 min
